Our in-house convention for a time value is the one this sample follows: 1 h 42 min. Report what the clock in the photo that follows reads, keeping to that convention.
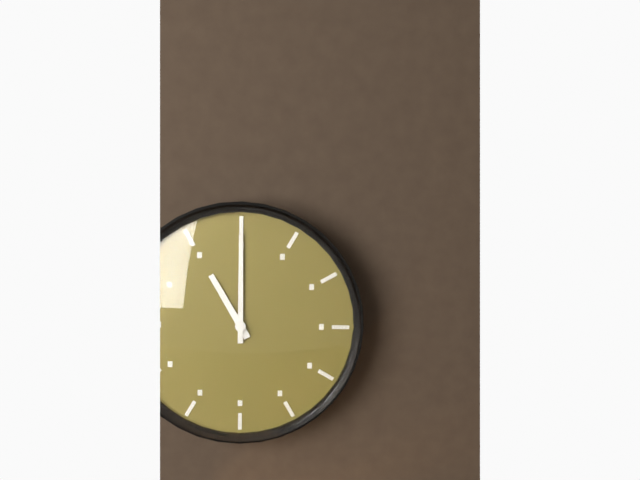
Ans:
11 h 00 min
